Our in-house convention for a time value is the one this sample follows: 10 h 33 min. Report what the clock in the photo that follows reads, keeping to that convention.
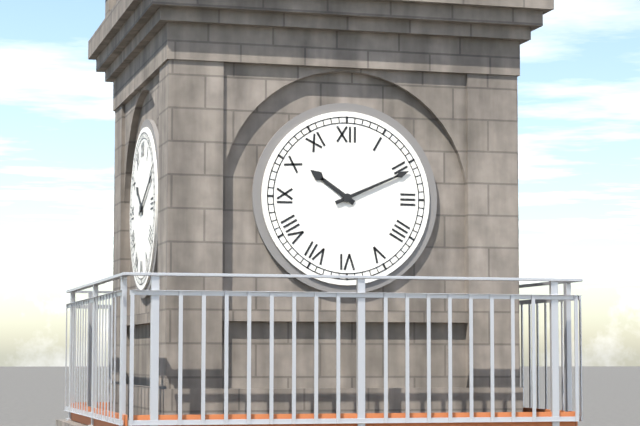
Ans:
10 h 11 min
